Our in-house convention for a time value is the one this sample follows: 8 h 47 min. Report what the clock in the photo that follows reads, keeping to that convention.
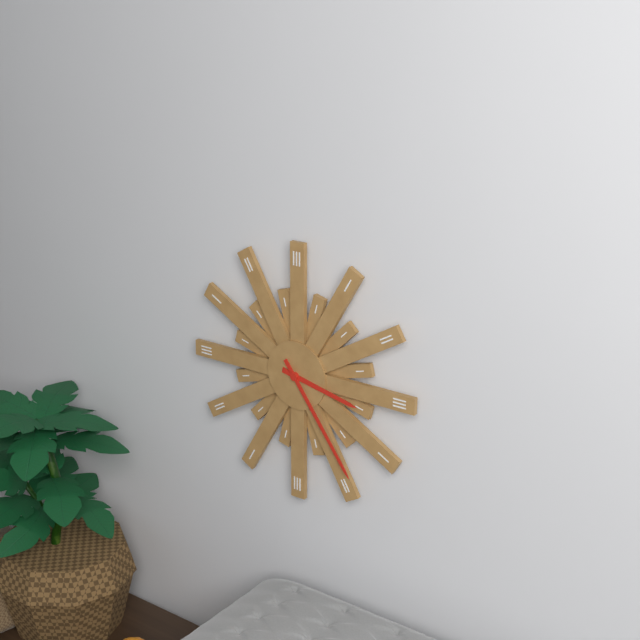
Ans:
3 h 24 min
